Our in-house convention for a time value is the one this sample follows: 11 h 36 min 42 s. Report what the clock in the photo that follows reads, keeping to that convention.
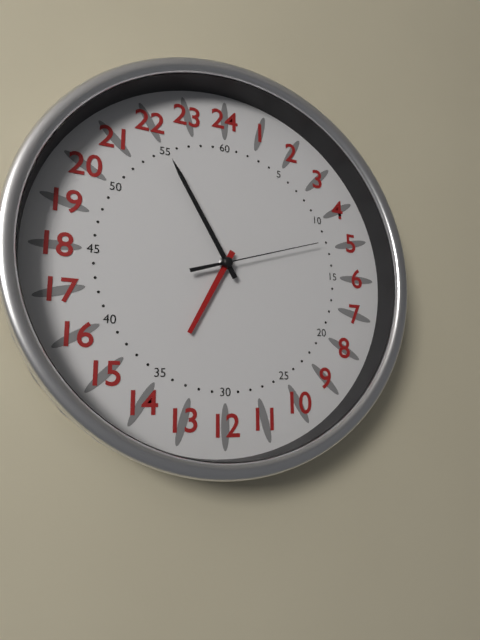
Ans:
6 h 55 min 12 s
